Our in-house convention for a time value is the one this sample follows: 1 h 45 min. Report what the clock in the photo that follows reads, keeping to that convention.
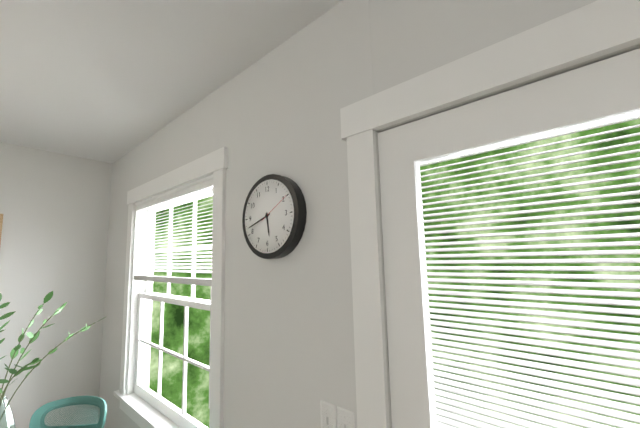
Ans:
5 h 42 min
